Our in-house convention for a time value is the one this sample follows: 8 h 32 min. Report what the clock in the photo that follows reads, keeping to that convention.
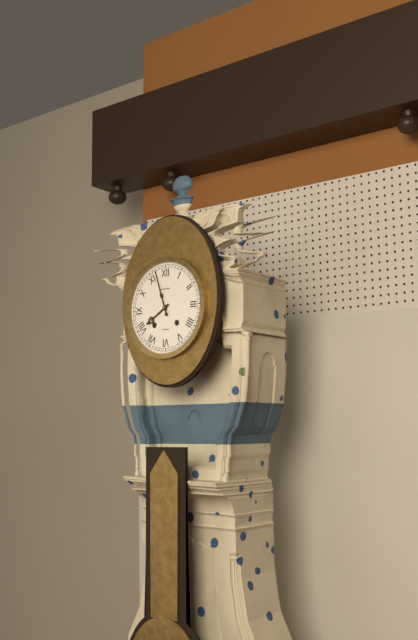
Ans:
7 h 57 min
